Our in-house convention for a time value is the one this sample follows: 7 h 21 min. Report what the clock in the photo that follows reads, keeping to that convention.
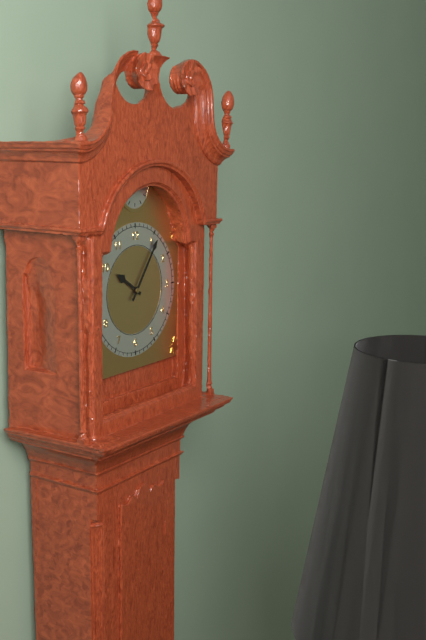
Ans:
10 h 06 min
